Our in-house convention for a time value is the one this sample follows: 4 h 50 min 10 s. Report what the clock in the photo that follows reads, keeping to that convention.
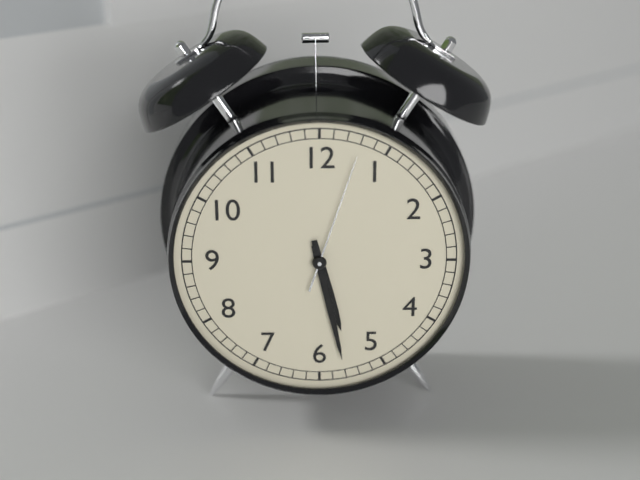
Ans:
5 h 28 min 03 s
